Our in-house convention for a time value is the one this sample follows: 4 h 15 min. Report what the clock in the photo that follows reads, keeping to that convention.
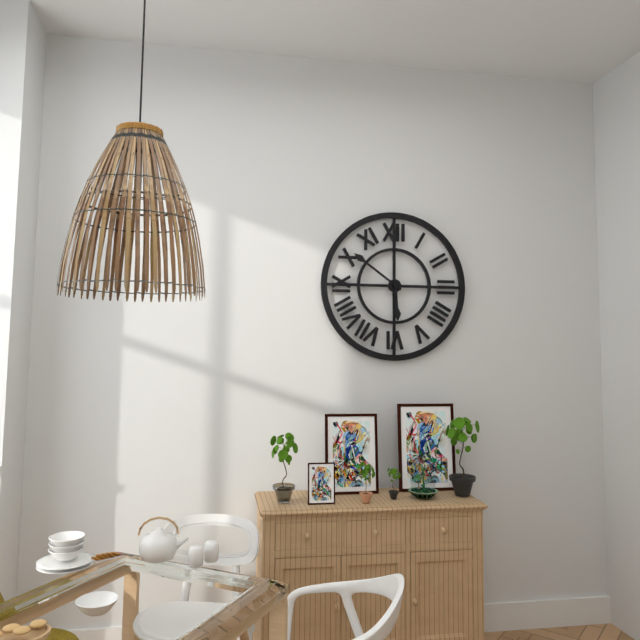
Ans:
5 h 51 min
